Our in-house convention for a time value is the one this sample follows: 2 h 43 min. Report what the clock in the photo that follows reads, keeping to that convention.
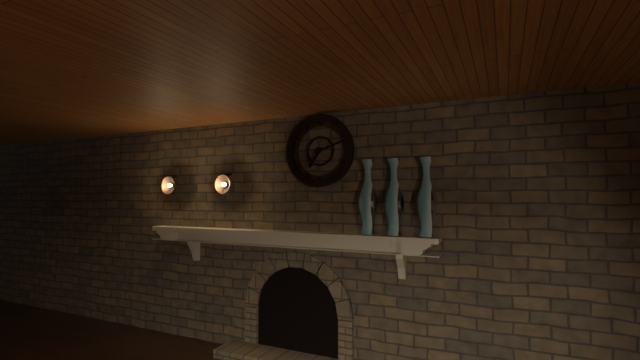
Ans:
7 h 12 min
